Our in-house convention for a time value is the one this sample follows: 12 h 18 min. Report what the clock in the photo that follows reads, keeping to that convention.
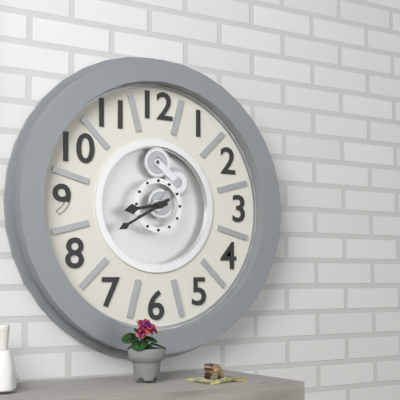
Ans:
8 h 40 min
